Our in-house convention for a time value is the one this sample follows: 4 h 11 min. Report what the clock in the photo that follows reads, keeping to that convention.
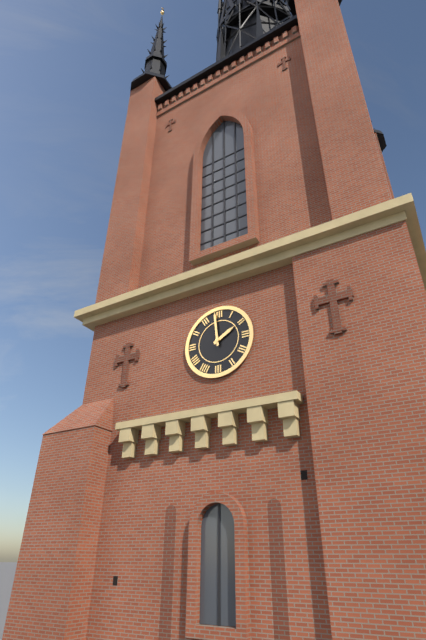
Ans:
1 h 59 min
